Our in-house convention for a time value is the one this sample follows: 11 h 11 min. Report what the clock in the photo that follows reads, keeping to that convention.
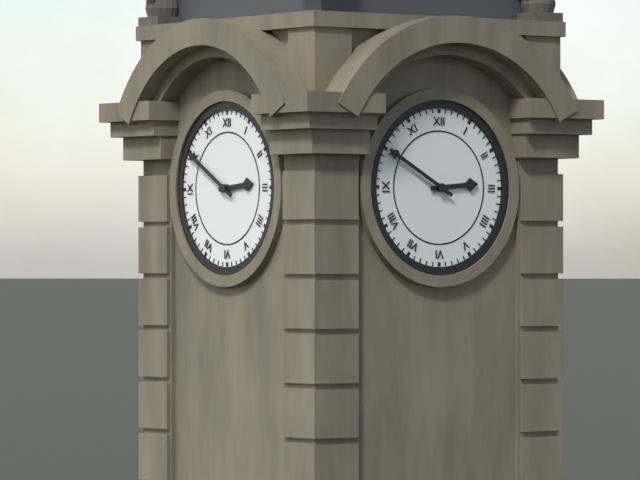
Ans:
2 h 50 min
